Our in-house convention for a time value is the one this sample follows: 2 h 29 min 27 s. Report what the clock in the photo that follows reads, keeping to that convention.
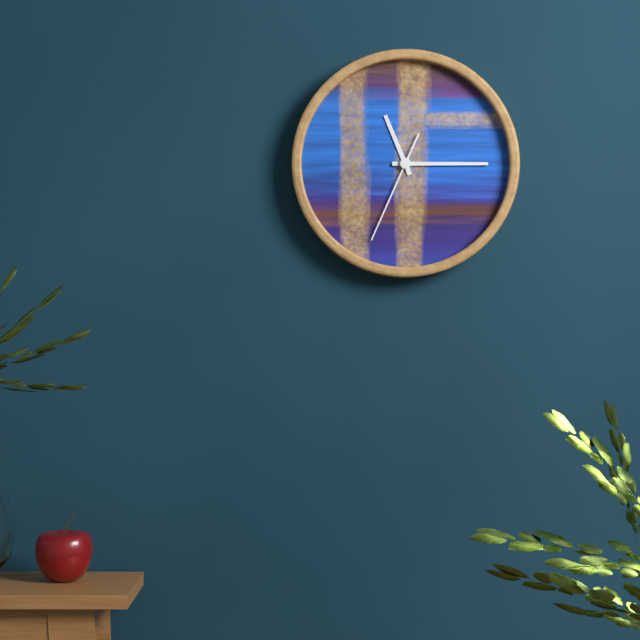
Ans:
11 h 15 min 34 s
